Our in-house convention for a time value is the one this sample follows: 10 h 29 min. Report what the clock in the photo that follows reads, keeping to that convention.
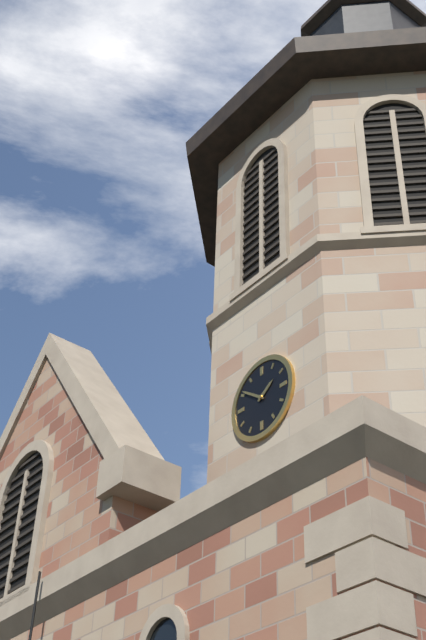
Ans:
1 h 51 min
